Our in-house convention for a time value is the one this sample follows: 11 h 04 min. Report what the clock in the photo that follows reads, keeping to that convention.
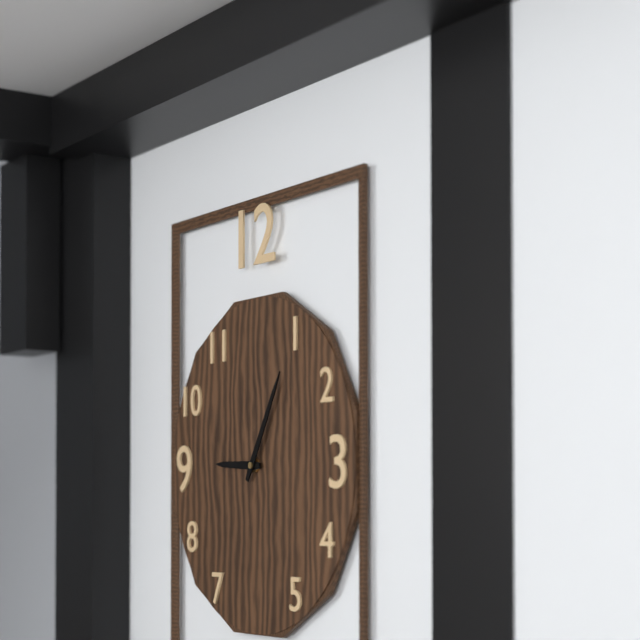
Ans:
9 h 05 min
